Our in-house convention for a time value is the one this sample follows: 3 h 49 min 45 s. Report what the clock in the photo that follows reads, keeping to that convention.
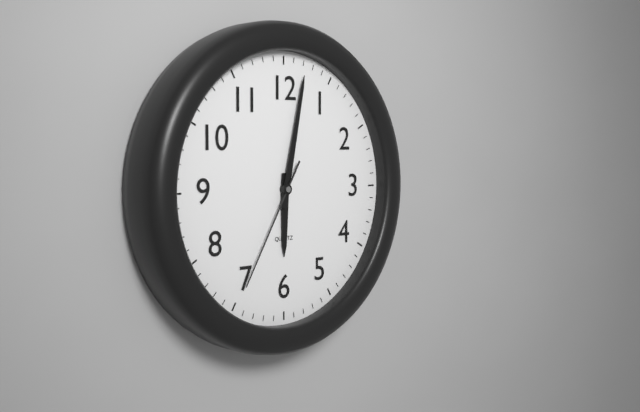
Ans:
6 h 02 min 35 s
